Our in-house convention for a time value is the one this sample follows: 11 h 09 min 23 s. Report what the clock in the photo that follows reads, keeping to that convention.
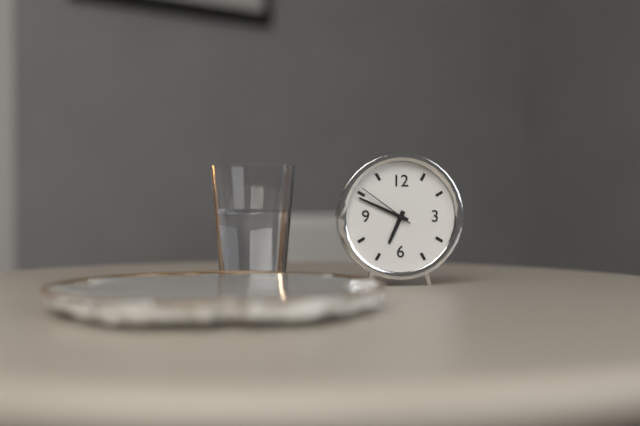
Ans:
6 h 49 min 51 s
